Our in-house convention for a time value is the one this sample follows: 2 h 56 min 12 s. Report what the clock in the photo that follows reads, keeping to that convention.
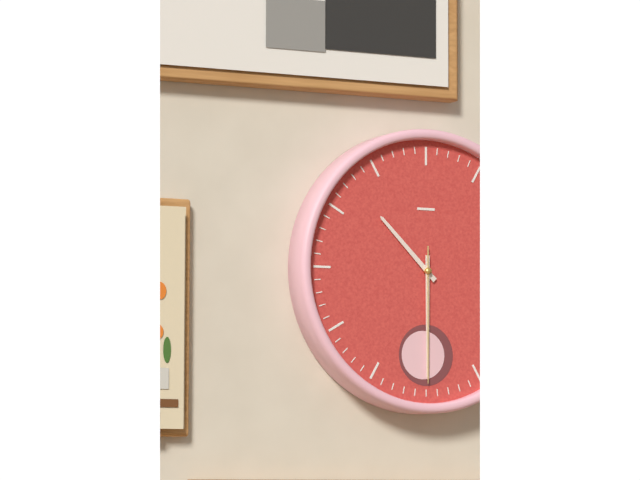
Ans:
10 h 30 min 30 s
